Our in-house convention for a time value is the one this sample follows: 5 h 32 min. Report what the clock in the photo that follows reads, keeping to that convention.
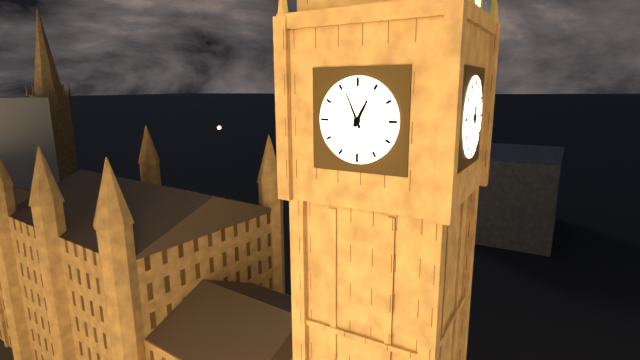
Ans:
12 h 56 min
